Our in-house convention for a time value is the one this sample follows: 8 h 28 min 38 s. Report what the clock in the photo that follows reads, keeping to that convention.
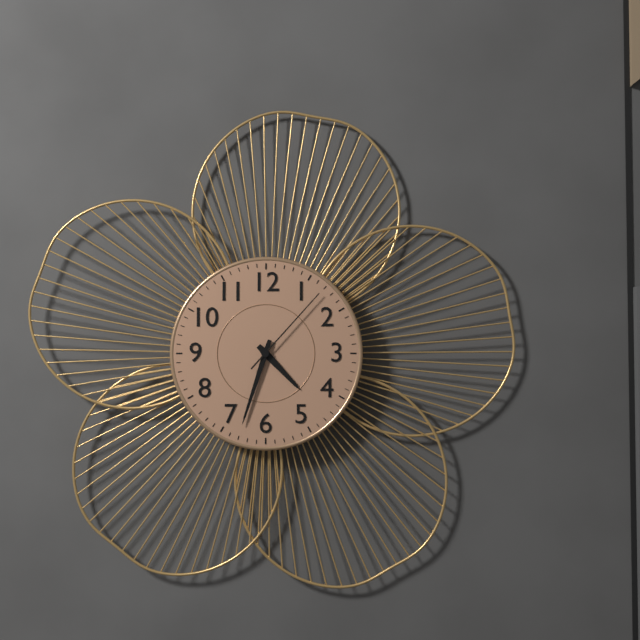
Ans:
4 h 33 min 07 s
